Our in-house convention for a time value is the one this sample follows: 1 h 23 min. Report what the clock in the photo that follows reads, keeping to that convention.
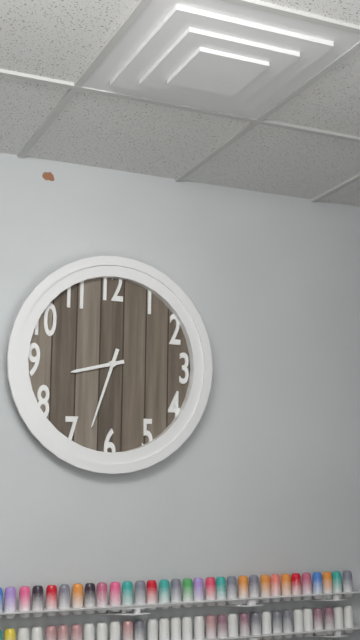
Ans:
8 h 33 min
